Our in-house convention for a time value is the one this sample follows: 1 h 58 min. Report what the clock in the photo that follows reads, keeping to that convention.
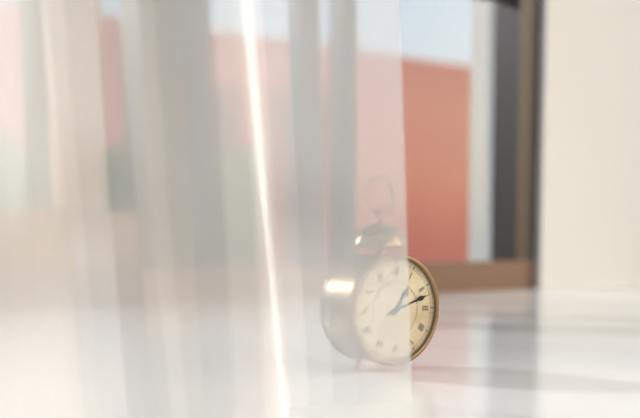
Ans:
1 h 12 min
